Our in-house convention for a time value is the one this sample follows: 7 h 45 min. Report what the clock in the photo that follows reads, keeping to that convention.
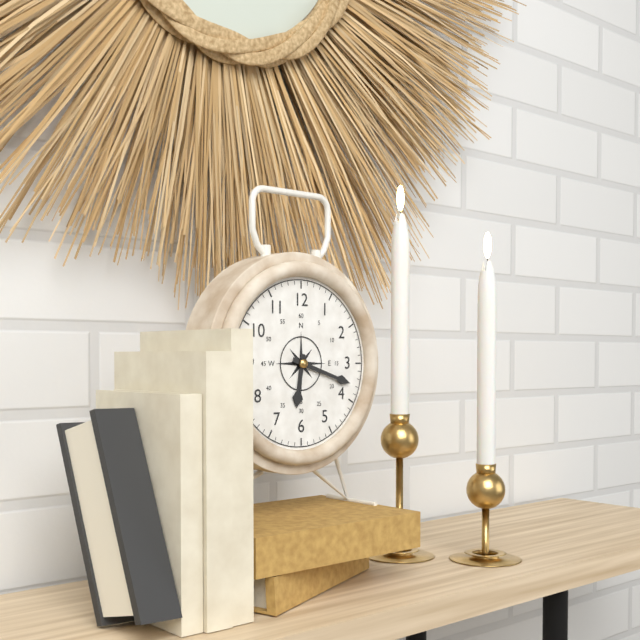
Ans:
6 h 18 min
